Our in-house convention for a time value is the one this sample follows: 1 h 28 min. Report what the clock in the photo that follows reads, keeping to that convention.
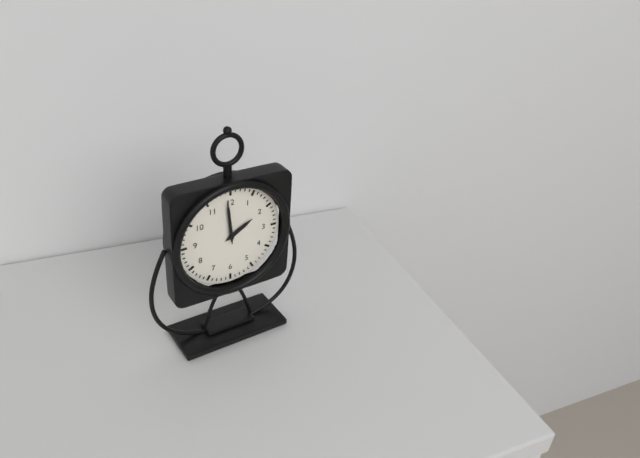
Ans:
1 h 59 min
